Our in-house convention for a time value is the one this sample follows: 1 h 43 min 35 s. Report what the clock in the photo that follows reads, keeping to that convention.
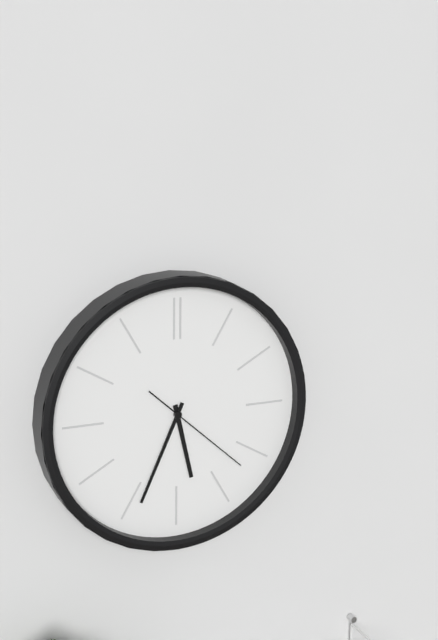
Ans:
5 h 34 min 22 s
